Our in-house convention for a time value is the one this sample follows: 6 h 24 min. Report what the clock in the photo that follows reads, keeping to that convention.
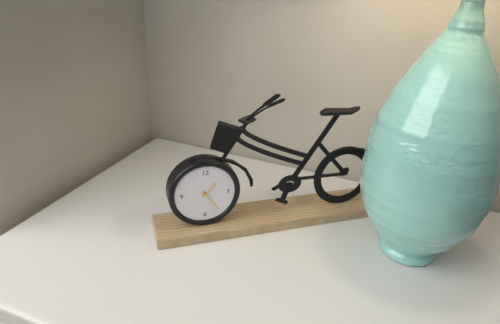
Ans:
1 h 24 min
